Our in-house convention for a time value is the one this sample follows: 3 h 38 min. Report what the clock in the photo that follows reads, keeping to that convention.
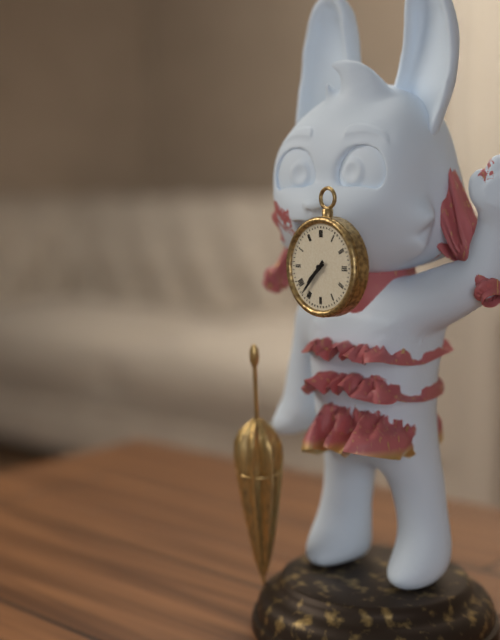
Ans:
7 h 37 min
